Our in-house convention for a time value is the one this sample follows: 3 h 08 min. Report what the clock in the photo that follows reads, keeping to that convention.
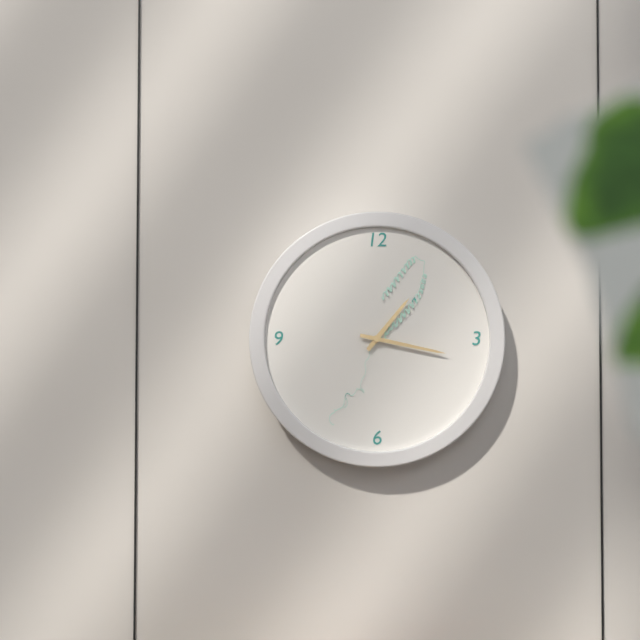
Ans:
1 h 17 min
